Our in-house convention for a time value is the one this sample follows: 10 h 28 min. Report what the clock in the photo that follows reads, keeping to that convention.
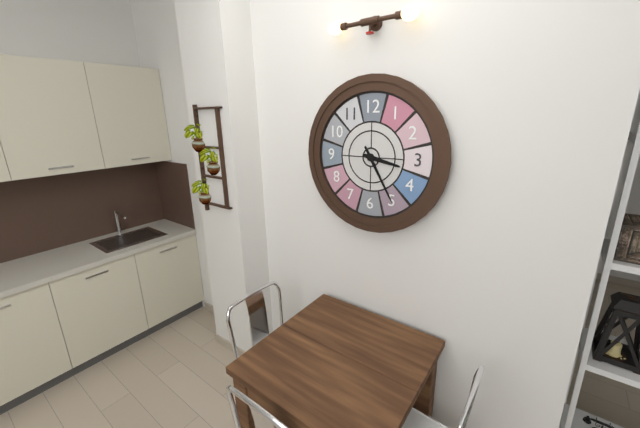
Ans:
3 h 25 min
